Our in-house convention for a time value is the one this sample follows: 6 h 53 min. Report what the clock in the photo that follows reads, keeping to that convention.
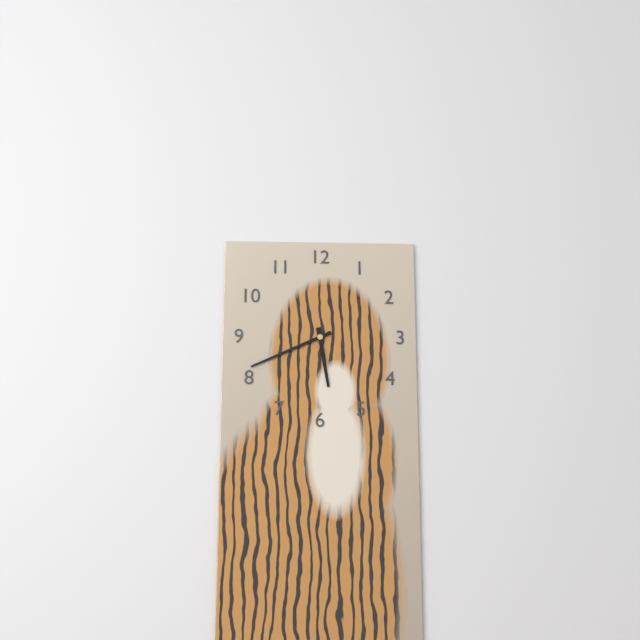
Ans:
5 h 41 min
